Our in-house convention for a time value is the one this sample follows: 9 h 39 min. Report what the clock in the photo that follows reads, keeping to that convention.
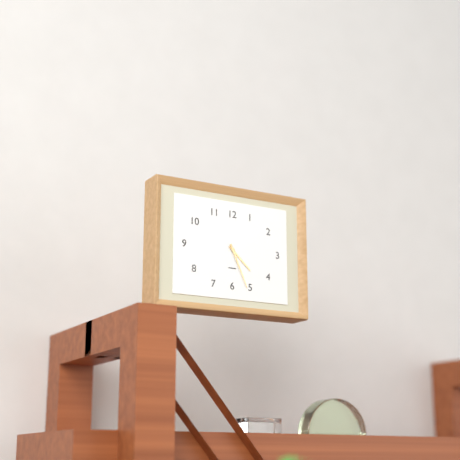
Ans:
4 h 26 min
